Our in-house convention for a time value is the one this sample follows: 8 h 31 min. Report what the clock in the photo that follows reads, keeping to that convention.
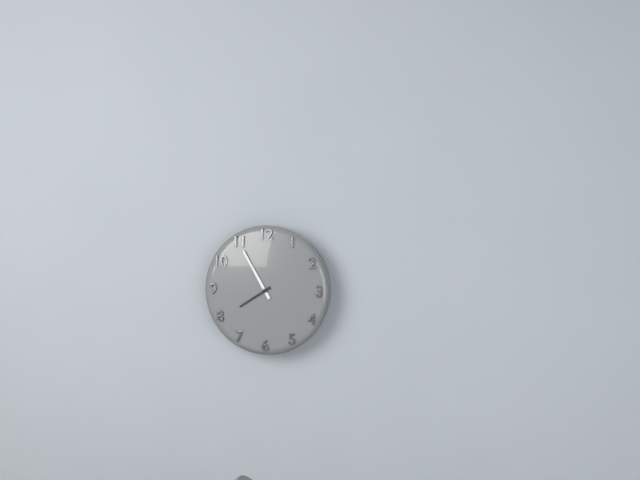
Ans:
7 h 55 min
